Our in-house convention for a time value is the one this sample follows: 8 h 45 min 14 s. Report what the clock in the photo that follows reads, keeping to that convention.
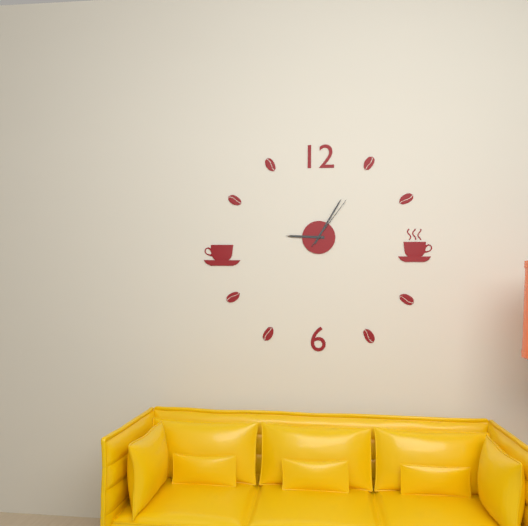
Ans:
9 h 05 min 06 s
